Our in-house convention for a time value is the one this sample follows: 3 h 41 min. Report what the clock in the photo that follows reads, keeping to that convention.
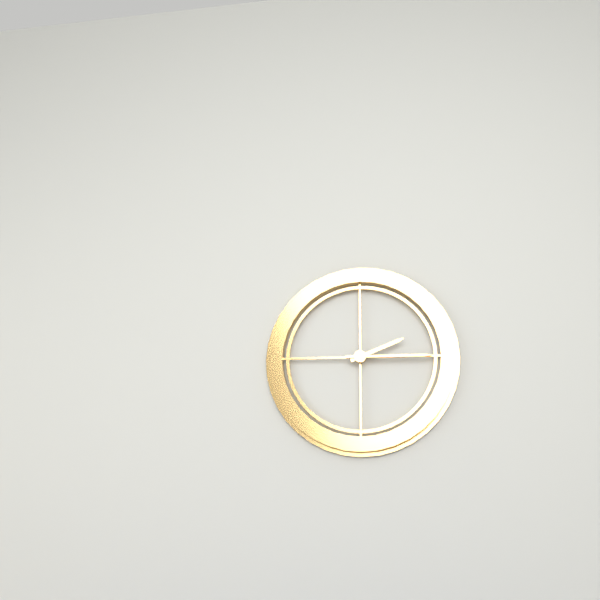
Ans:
2 h 15 min
